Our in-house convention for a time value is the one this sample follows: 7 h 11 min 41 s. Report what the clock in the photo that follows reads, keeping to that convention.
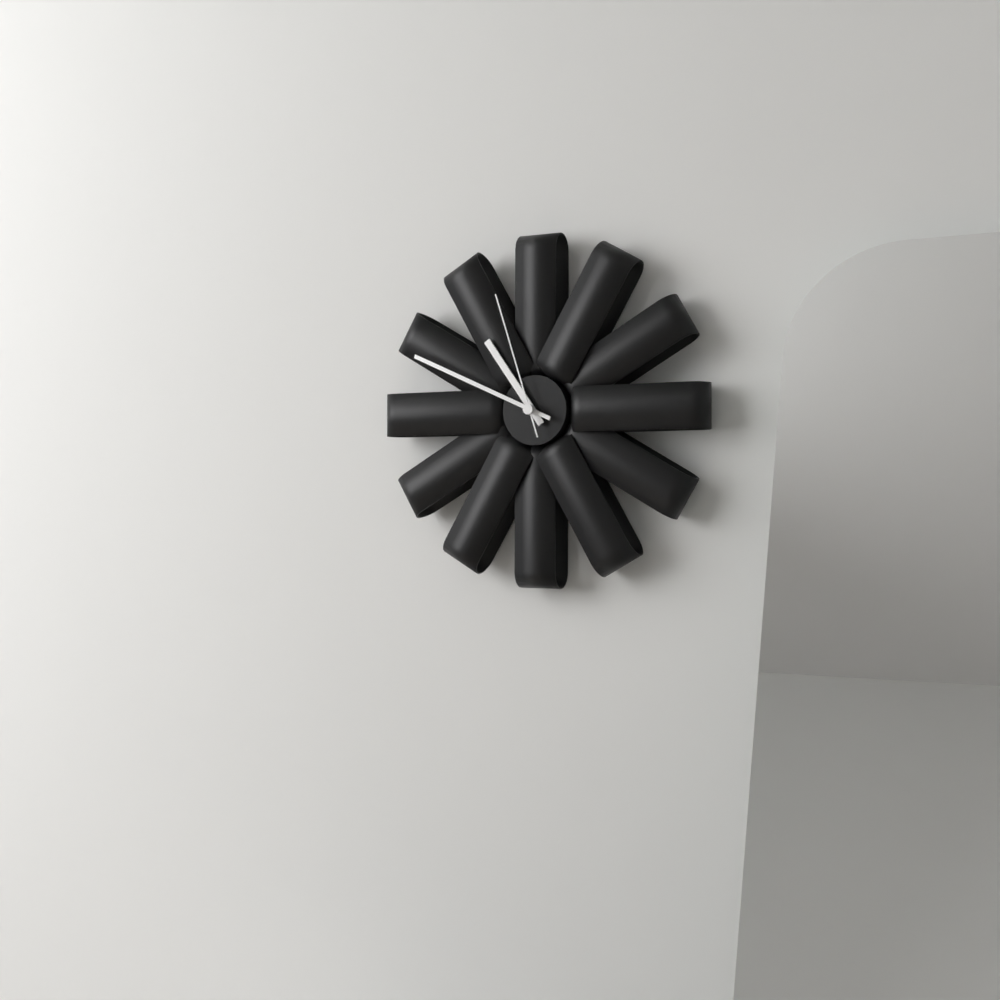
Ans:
10 h 49 min 57 s
